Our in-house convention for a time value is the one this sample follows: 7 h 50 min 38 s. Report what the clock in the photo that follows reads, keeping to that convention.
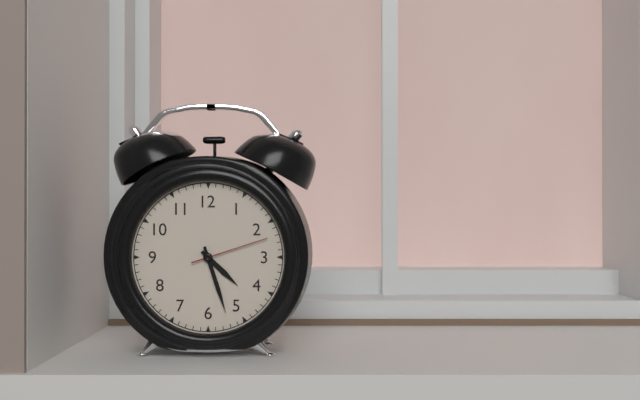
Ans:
4 h 27 min 12 s
